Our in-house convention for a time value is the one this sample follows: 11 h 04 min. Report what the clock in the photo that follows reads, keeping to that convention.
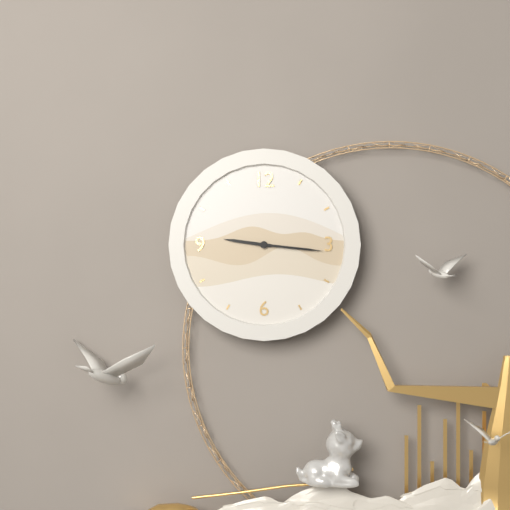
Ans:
9 h 16 min
